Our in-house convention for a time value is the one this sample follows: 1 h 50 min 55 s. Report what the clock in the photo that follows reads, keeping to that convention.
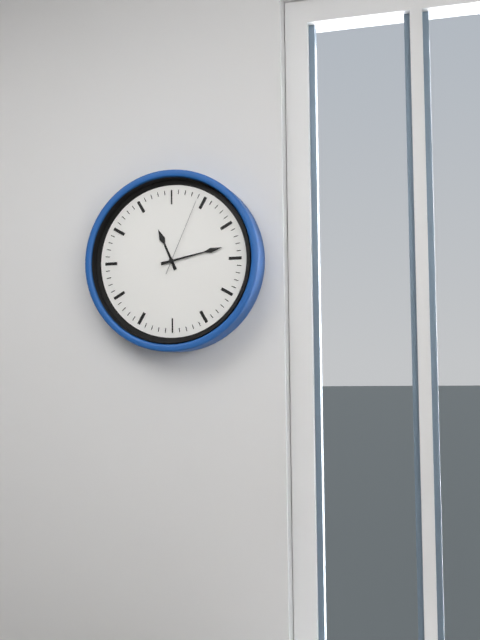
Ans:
11 h 13 min 04 s
